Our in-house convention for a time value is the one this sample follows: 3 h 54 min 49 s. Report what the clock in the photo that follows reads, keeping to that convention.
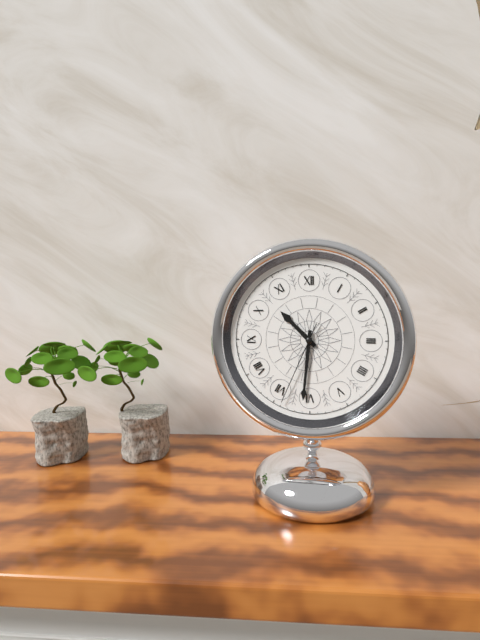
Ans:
10 h 31 min 34 s
